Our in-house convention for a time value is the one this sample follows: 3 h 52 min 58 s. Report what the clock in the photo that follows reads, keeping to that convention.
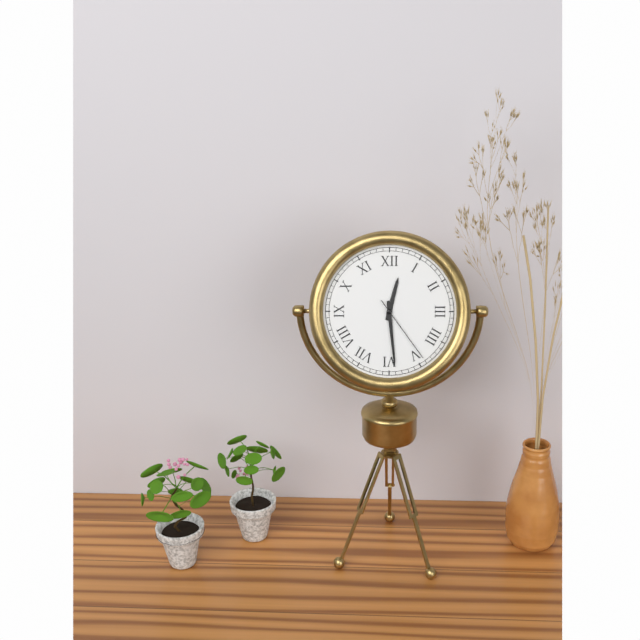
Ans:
12 h 29 min 24 s
